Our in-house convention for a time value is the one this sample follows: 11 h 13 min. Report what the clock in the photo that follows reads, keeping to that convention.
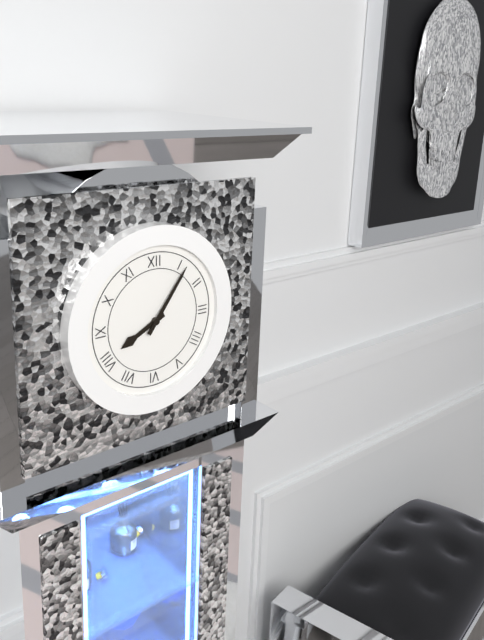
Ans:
8 h 06 min
